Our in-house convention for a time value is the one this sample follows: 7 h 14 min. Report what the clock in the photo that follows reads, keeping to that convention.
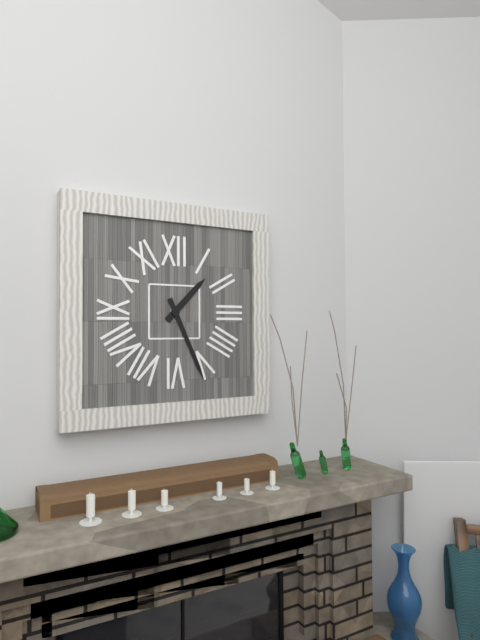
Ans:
1 h 26 min
